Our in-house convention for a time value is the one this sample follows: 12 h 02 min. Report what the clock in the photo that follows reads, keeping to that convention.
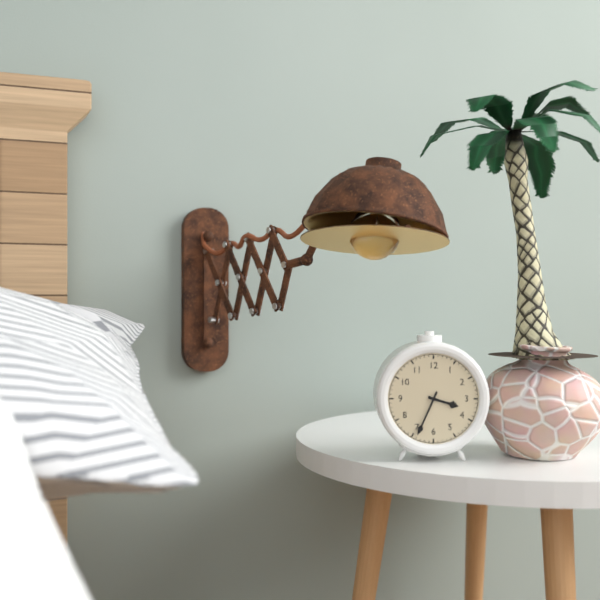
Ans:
3 h 34 min
